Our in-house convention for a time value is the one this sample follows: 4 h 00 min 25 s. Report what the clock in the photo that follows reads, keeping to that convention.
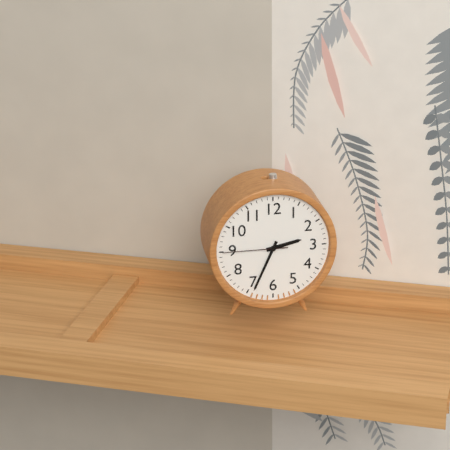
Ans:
2 h 34 min 45 s
